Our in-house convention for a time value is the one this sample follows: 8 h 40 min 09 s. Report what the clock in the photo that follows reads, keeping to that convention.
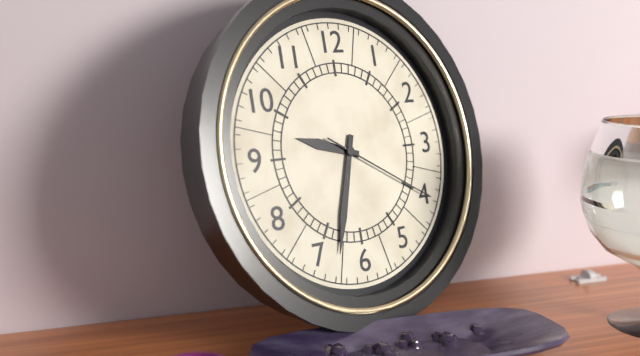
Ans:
9 h 33 min 20 s
